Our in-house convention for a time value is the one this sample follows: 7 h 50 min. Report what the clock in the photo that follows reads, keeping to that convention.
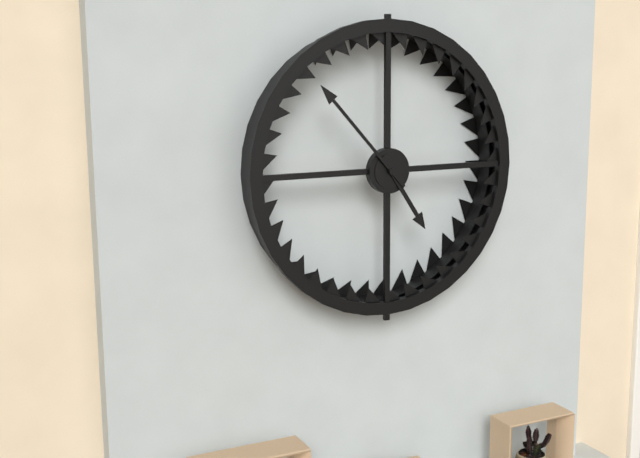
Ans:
4 h 53 min
